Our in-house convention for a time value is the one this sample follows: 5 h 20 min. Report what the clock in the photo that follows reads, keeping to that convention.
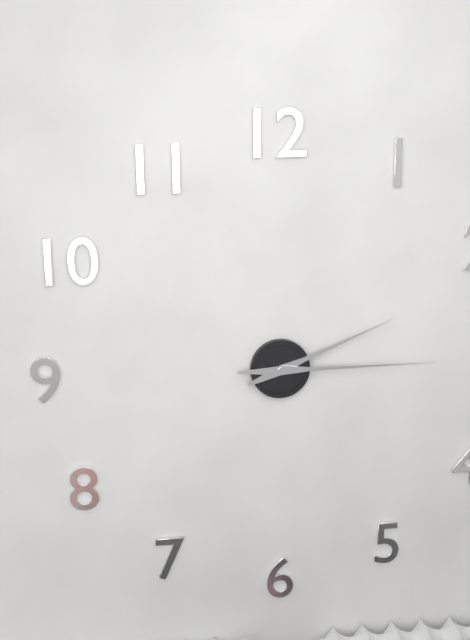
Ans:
2 h 15 min
